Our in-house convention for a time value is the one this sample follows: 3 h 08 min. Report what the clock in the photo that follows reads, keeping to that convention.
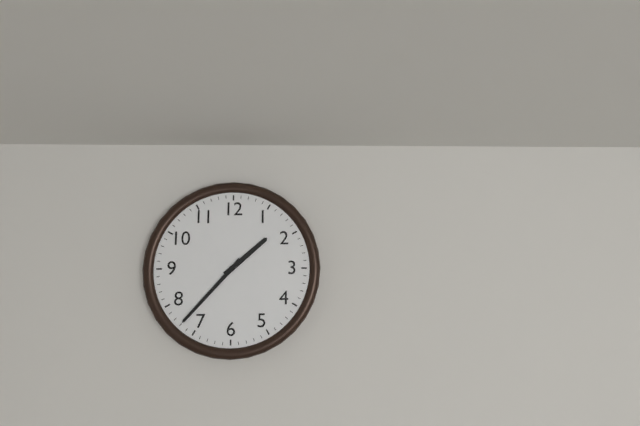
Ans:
1 h 37 min
